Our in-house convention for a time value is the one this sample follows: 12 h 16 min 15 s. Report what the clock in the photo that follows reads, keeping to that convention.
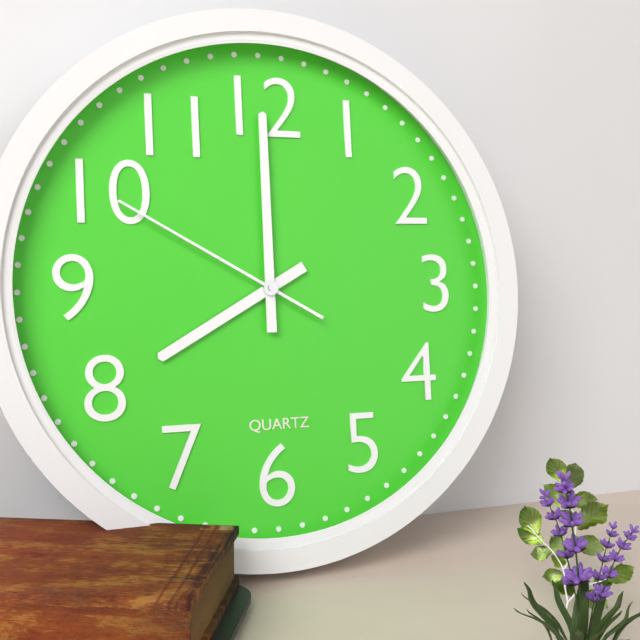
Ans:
8 h 00 min 50 s
